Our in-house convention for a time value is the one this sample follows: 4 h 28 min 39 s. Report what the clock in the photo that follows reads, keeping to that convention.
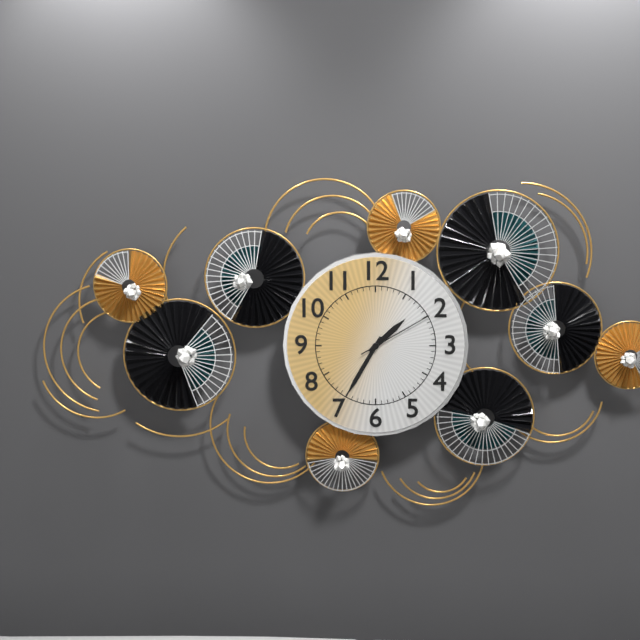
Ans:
1 h 35 min 10 s
